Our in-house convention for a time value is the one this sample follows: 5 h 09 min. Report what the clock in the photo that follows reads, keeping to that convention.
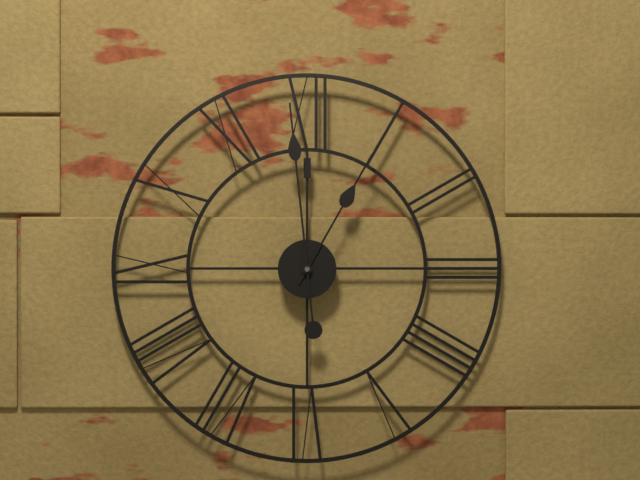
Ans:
12 h 59 min
